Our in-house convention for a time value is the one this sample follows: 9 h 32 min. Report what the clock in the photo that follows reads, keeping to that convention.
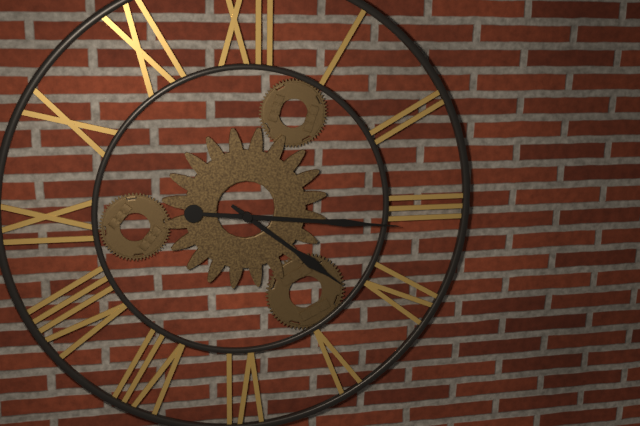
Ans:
4 h 16 min
